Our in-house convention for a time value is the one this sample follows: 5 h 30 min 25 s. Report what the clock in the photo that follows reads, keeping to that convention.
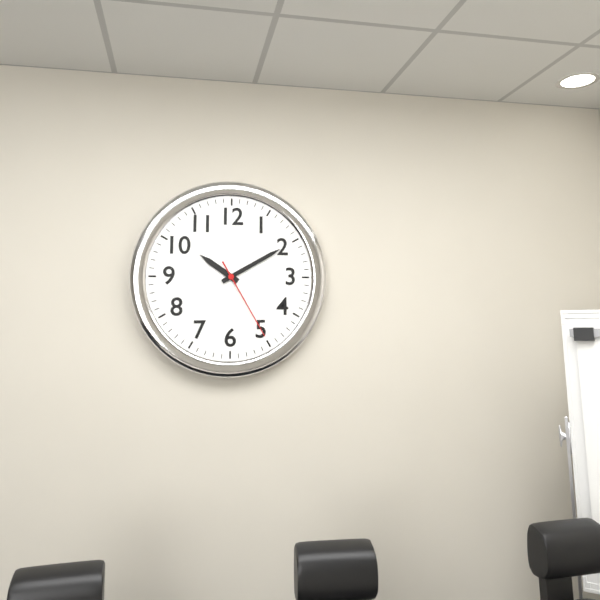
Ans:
10 h 10 min 25 s
